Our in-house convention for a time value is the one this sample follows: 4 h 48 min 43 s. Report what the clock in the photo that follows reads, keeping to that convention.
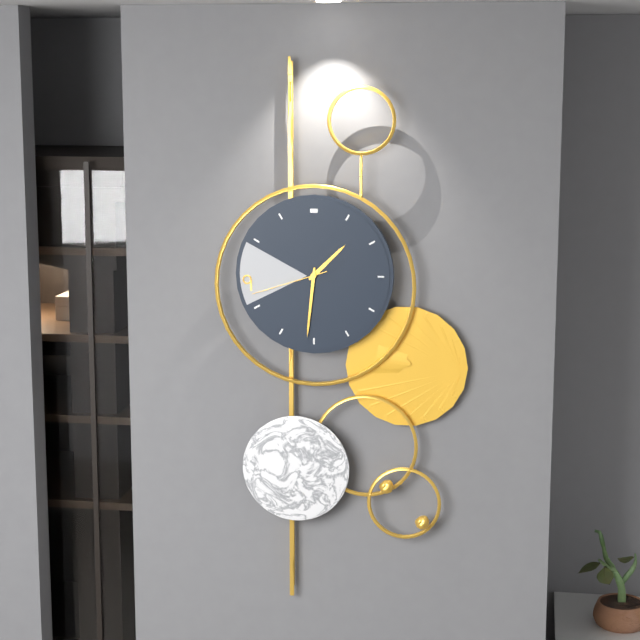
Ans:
1 h 31 min 42 s
